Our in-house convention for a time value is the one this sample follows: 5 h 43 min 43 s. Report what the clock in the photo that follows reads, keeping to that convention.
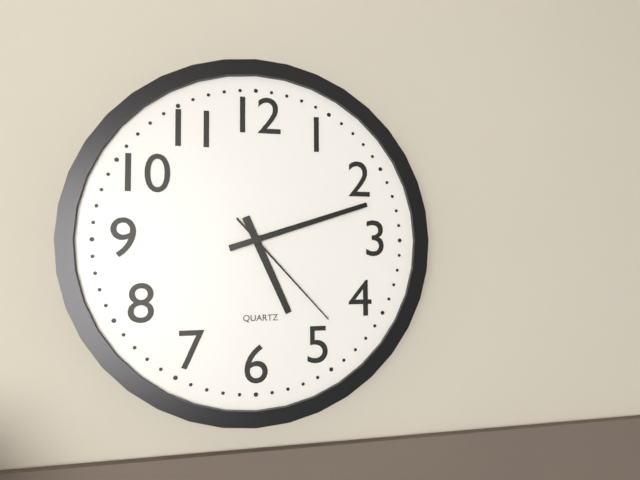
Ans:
5 h 12 min 23 s
